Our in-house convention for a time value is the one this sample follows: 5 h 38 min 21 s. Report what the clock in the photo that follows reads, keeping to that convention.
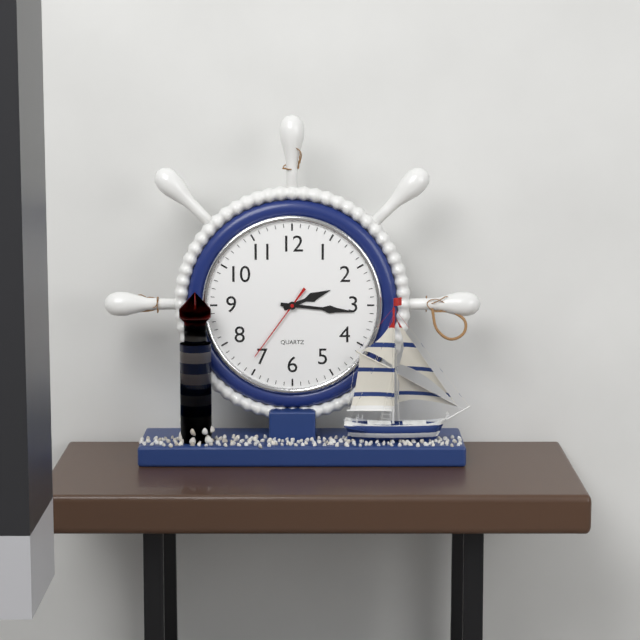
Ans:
2 h 16 min 36 s
